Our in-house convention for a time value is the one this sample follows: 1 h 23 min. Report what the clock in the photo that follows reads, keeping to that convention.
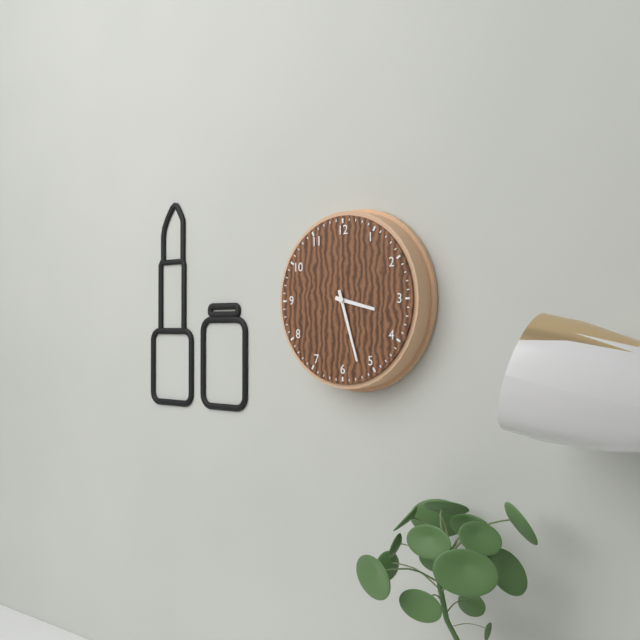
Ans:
3 h 27 min
